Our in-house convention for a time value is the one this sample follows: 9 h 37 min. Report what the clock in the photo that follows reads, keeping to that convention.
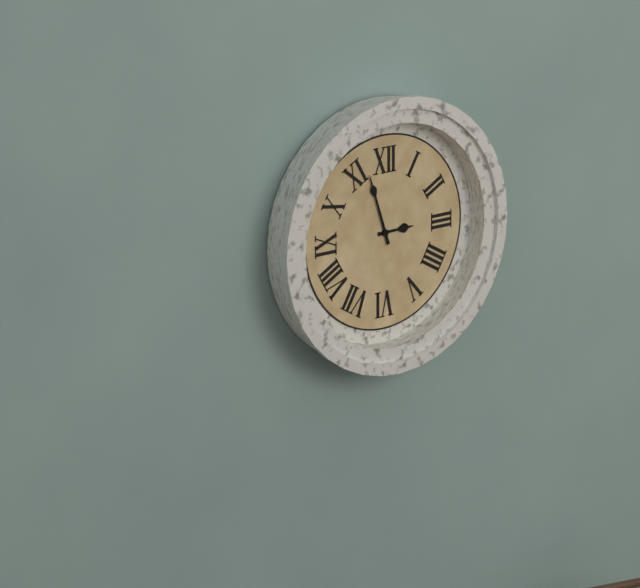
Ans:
2 h 57 min
